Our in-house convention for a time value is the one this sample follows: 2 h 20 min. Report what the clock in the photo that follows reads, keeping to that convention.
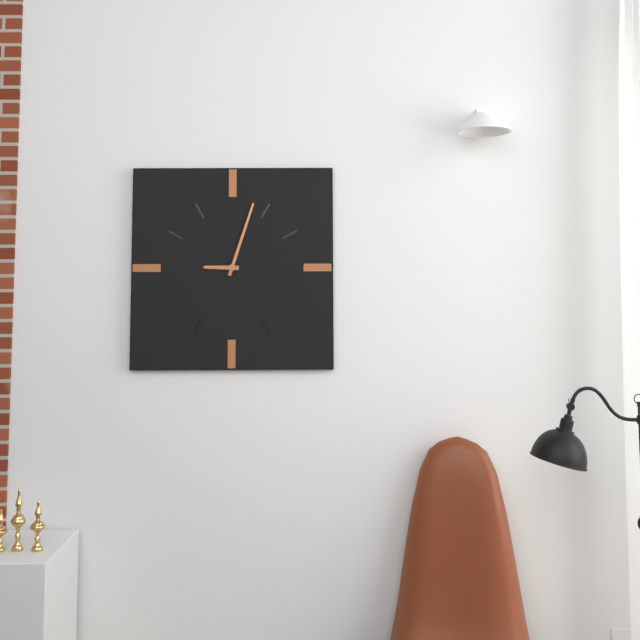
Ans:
9 h 03 min
